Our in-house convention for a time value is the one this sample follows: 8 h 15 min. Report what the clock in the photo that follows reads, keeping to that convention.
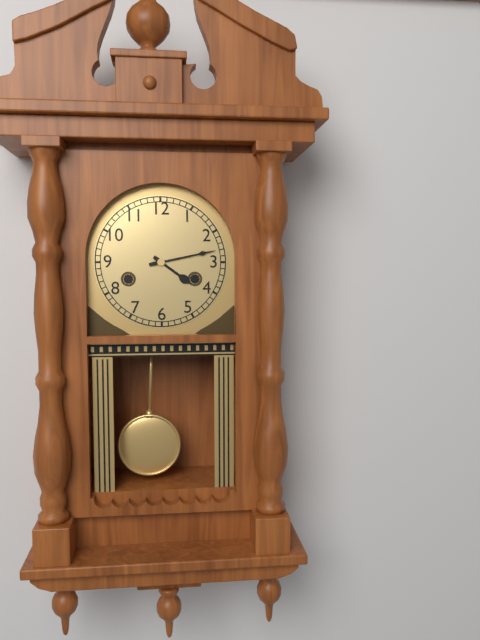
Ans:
4 h 13 min
